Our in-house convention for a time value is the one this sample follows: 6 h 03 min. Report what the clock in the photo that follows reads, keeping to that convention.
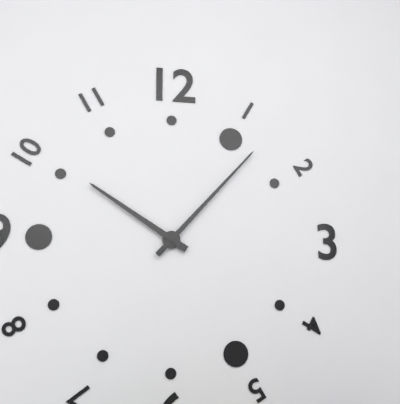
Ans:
10 h 07 min
